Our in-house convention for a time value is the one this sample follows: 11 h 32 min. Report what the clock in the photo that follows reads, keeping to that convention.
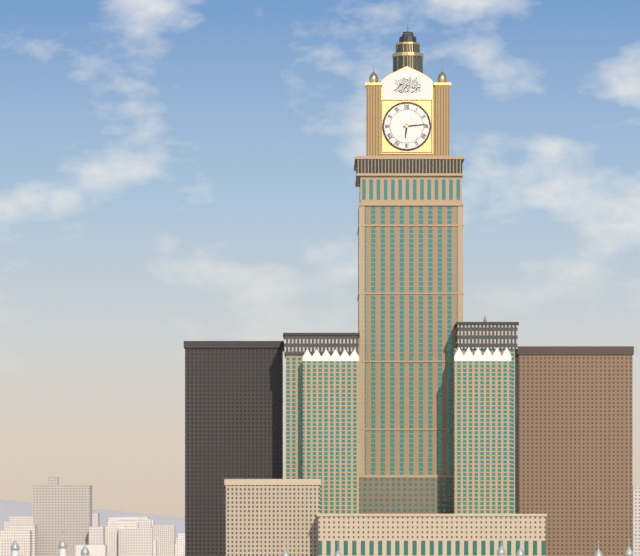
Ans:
6 h 14 min
